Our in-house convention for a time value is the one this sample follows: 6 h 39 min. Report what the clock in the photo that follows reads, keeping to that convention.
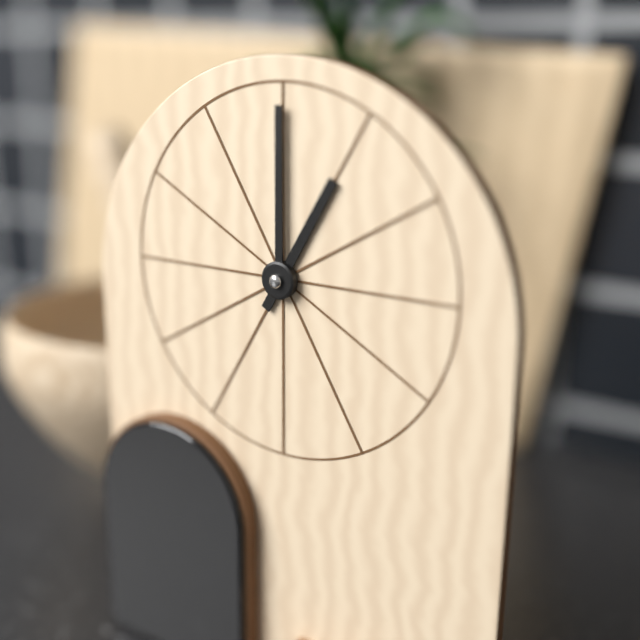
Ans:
1 h 00 min
